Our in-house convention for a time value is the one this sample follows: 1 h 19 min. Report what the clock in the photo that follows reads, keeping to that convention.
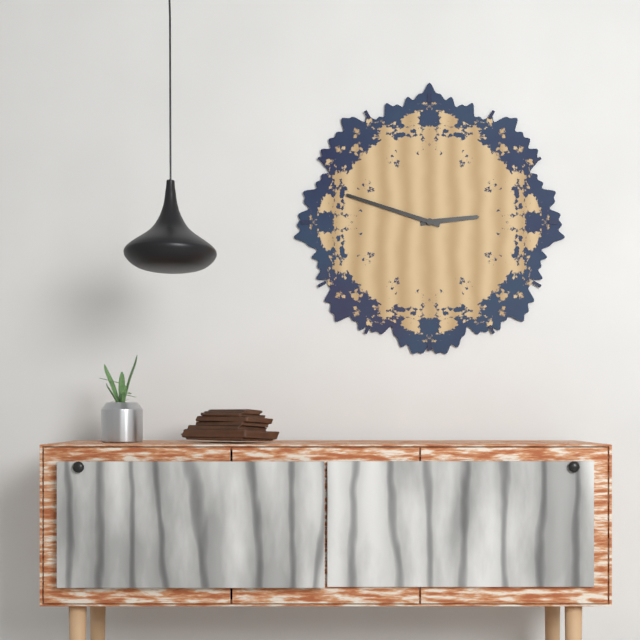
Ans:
2 h 48 min
